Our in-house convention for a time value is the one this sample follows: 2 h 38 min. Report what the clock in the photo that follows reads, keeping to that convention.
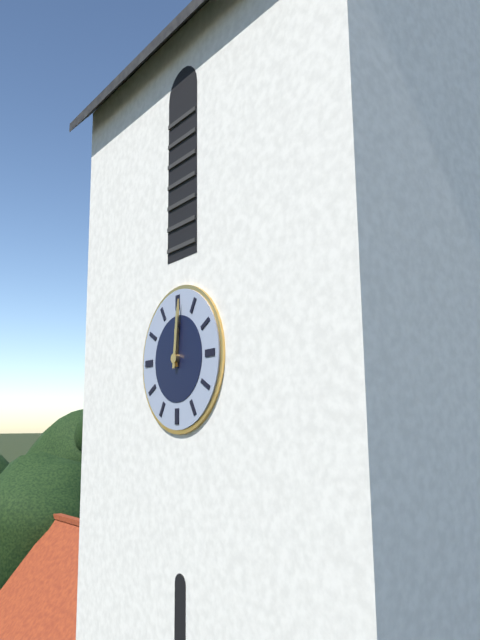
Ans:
12 h 01 min
